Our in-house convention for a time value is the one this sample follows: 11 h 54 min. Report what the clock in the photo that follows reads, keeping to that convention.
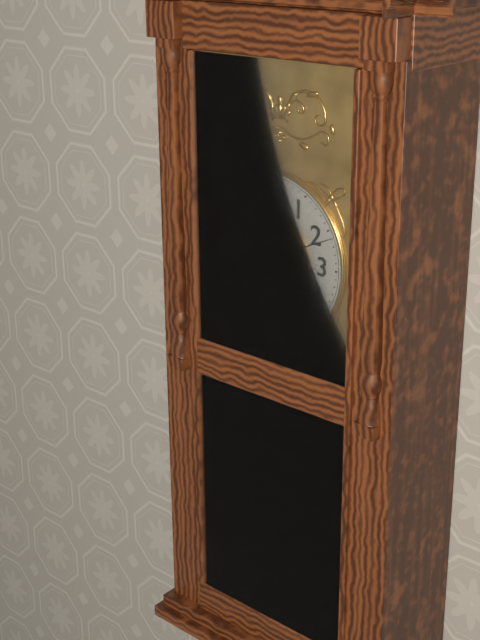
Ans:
4 h 11 min
